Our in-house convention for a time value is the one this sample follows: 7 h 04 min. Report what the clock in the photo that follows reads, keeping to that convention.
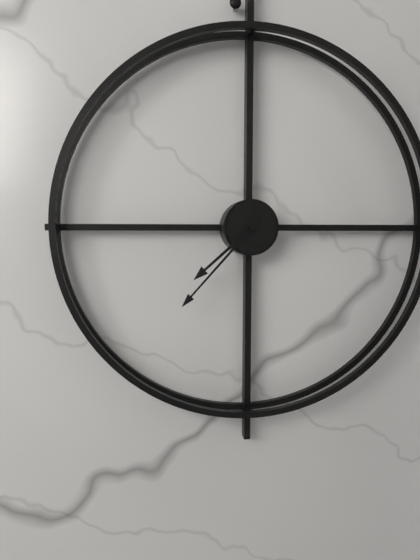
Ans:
7 h 37 min
